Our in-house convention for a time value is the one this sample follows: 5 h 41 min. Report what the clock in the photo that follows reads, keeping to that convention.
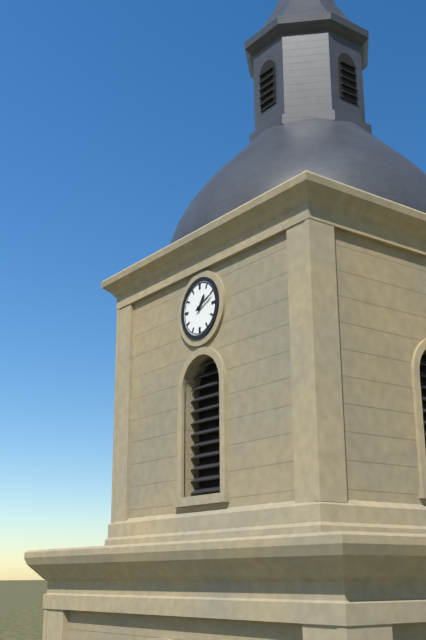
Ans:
1 h 11 min
